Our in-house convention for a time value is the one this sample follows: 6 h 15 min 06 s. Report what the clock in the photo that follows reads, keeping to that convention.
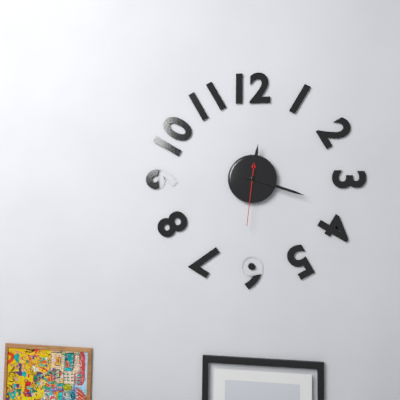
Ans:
12 h 18 min 31 s
